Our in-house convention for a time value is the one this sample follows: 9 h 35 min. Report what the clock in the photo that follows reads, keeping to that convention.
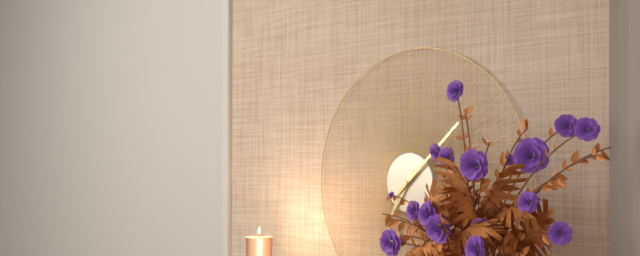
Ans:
7 h 08 min
